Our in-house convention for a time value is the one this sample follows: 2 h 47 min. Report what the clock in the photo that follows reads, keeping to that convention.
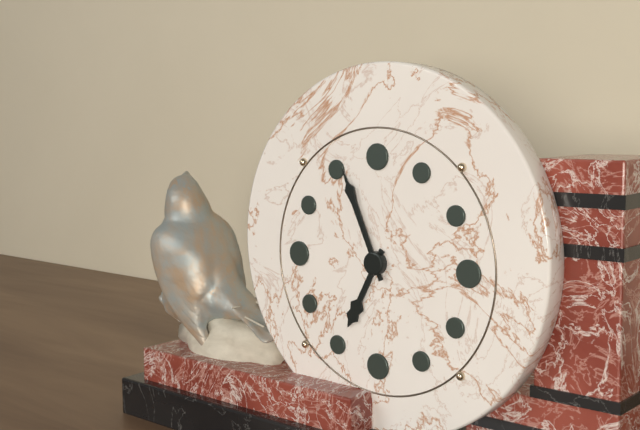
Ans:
6 h 56 min
